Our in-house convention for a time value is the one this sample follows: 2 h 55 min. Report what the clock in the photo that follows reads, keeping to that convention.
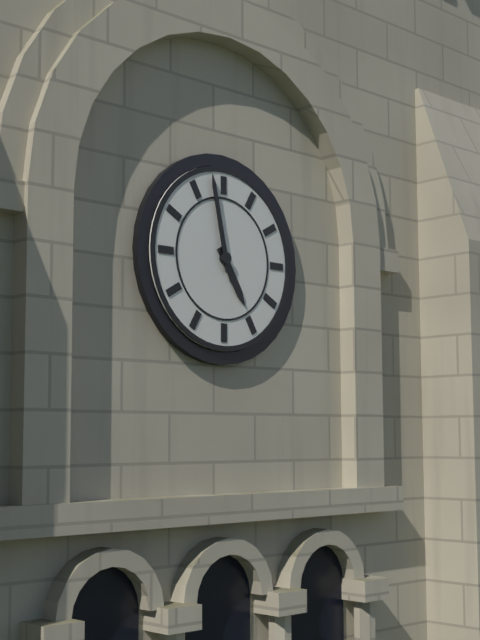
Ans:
4 h 58 min
